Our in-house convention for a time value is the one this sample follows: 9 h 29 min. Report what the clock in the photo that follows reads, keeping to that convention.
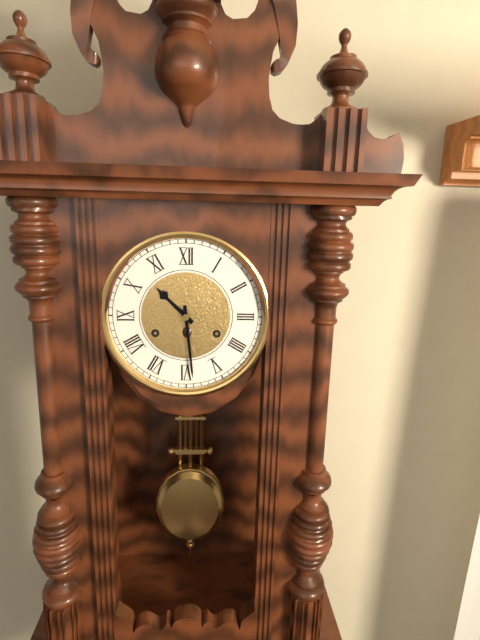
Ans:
10 h 29 min
